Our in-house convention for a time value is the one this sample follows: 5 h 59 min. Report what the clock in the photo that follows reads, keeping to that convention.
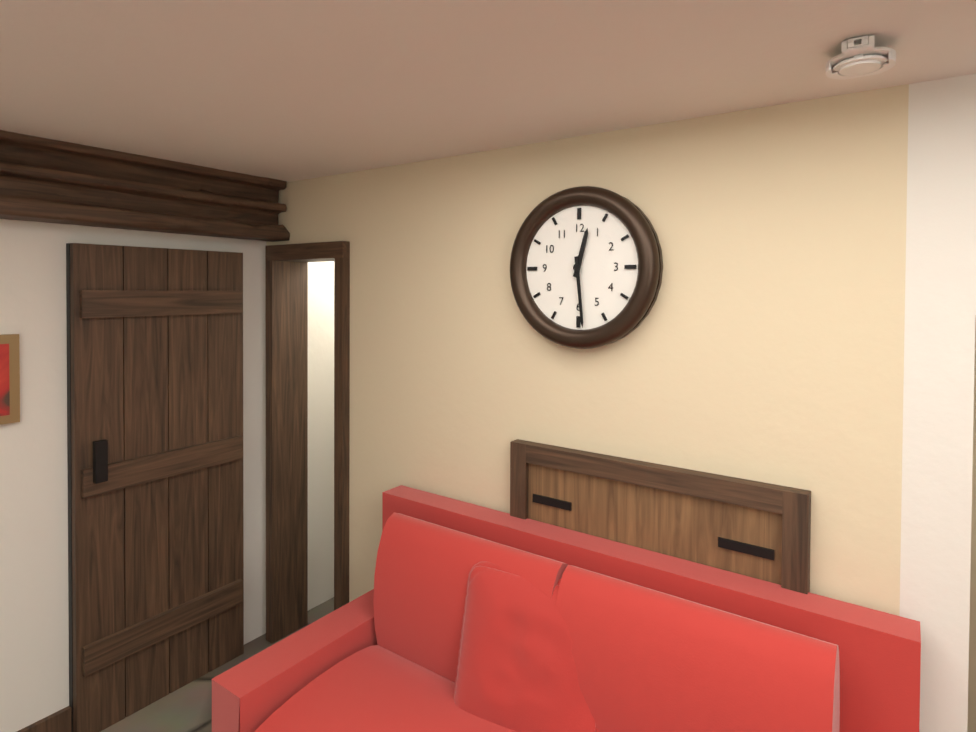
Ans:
12 h 29 min
